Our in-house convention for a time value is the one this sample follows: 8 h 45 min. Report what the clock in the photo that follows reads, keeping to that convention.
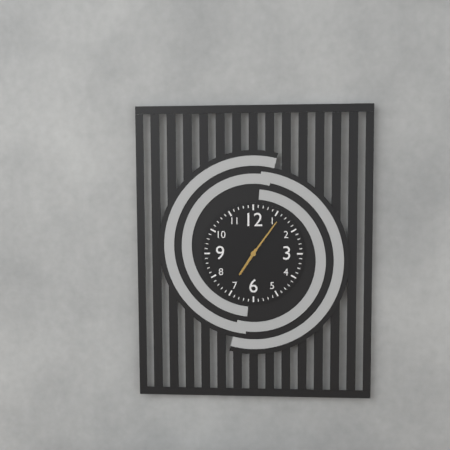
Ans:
7 h 06 min
